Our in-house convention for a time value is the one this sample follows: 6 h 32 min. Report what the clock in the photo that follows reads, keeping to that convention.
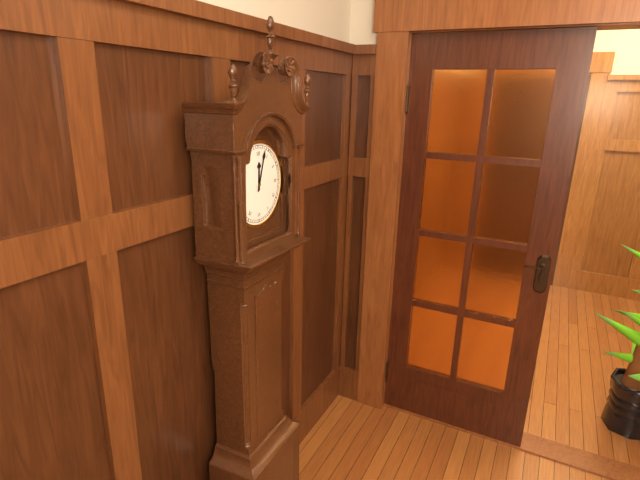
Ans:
12 h 03 min
